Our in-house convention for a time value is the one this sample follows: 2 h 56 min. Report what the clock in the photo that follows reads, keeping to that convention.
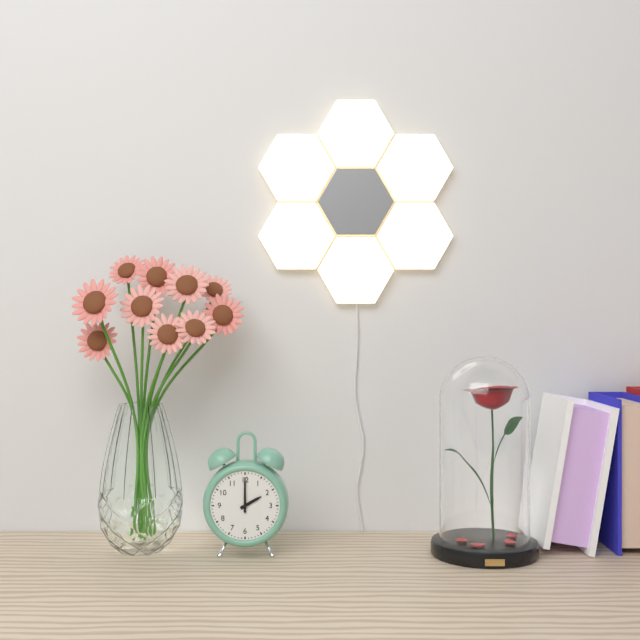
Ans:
2 h 00 min
